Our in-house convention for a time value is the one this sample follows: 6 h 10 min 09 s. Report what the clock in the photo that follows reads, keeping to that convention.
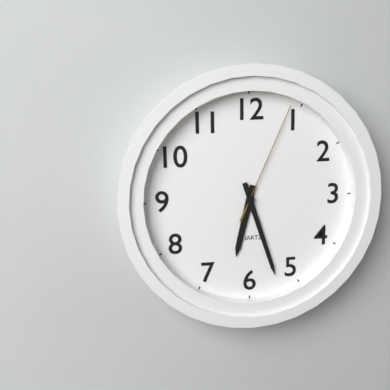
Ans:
6 h 27 min 04 s
